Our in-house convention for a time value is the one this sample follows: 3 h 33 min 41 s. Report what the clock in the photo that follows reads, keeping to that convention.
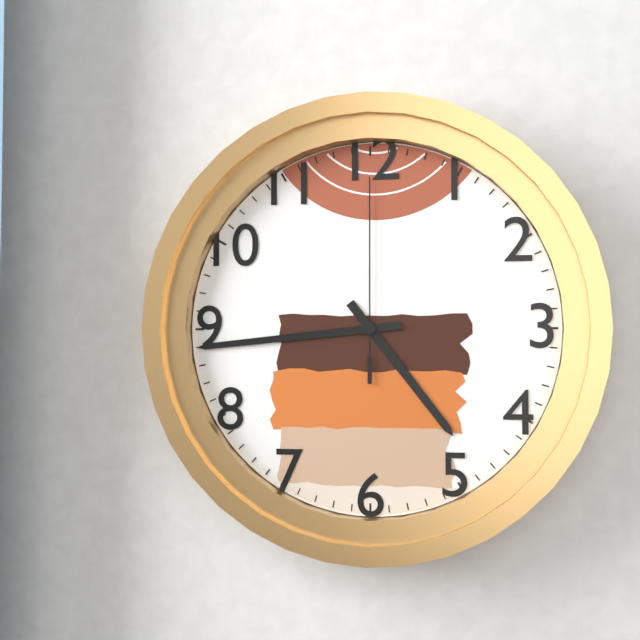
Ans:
4 h 44 min 00 s
